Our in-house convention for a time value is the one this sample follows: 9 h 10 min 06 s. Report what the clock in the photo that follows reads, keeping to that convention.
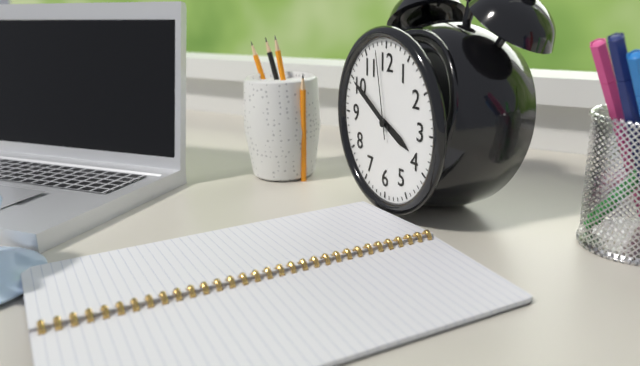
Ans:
3 h 50 min 58 s
